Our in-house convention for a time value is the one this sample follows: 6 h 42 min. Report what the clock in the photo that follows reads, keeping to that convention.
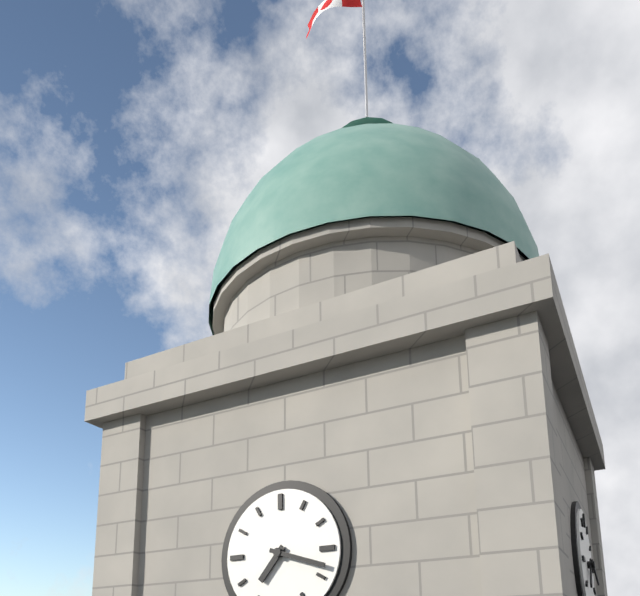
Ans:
7 h 18 min
